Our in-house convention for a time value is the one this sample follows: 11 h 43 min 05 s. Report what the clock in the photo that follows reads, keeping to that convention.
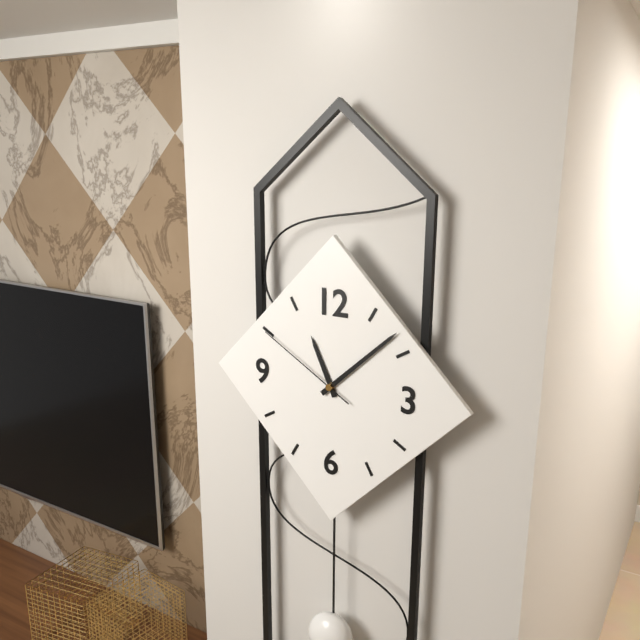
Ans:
11 h 08 min 50 s
